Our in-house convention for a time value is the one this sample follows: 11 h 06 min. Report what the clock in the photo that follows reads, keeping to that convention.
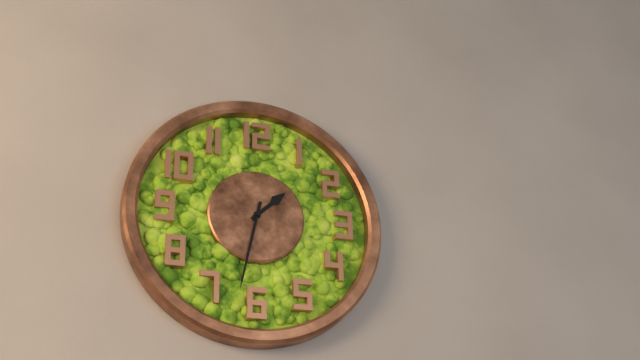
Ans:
1 h 32 min
